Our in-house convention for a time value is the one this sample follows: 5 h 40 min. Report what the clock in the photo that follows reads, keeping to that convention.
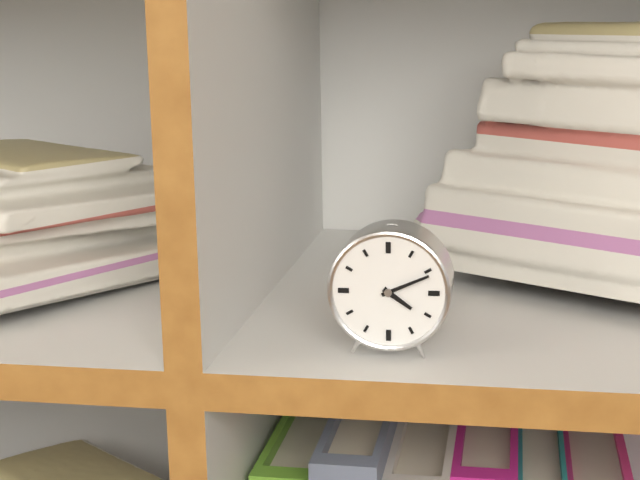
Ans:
4 h 11 min
